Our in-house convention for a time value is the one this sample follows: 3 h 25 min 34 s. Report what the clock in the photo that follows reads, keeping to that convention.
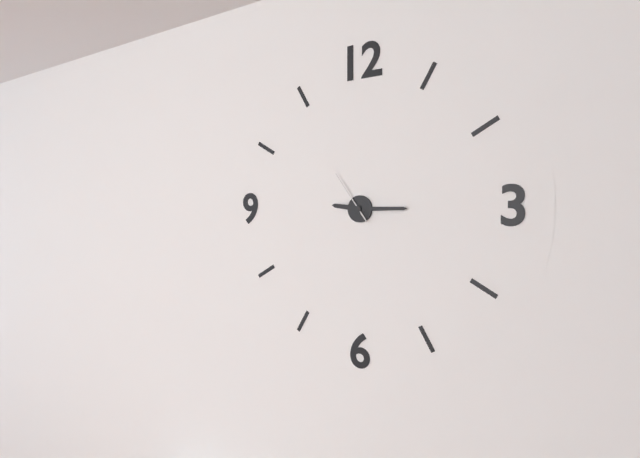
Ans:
9 h 15 min 54 s
